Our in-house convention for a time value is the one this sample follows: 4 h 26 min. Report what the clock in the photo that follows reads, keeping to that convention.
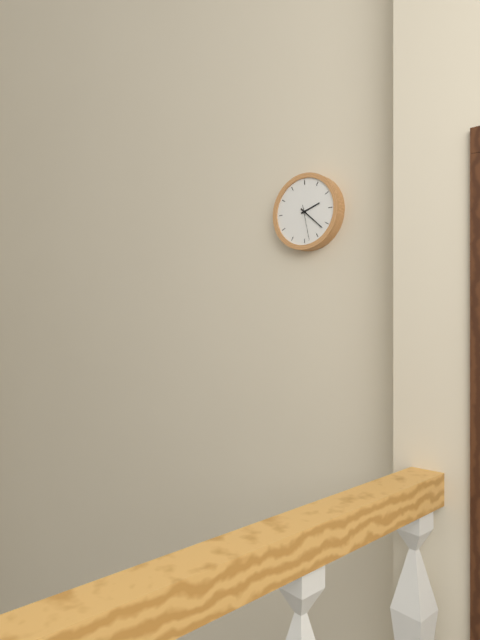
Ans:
2 h 22 min
